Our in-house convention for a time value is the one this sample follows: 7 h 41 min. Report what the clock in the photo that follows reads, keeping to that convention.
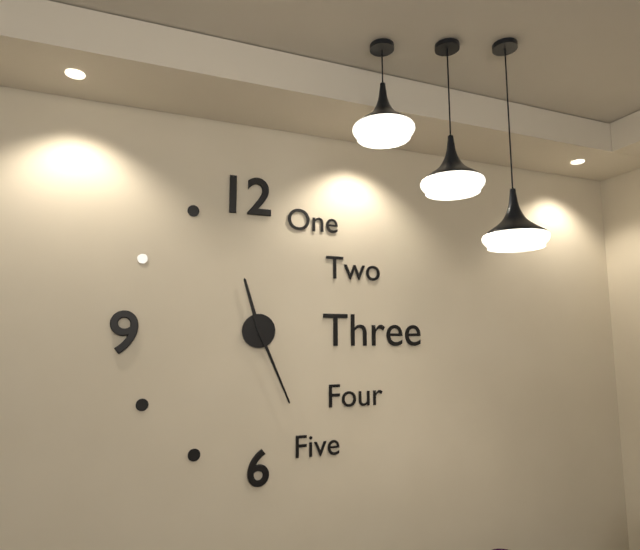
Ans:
11 h 26 min
